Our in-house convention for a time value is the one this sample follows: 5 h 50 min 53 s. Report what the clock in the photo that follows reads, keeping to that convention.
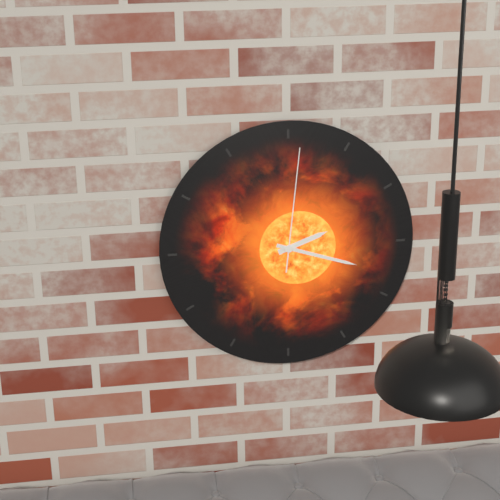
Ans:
2 h 18 min 01 s
